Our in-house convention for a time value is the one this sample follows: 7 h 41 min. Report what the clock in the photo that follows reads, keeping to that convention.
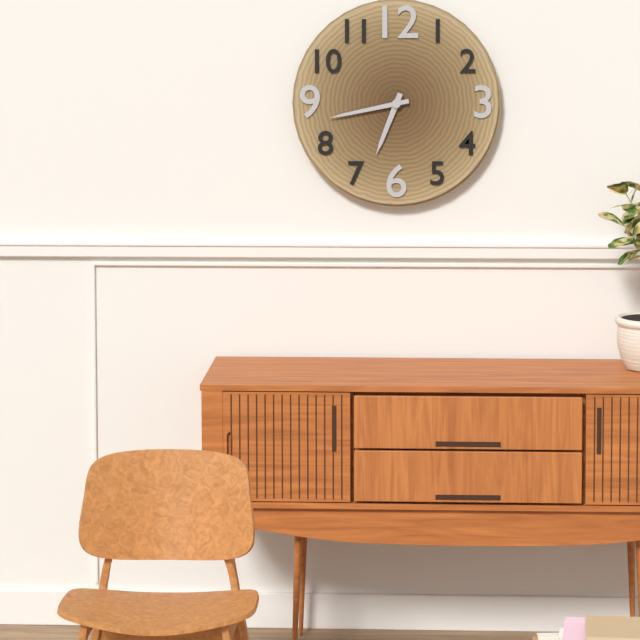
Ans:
6 h 43 min
